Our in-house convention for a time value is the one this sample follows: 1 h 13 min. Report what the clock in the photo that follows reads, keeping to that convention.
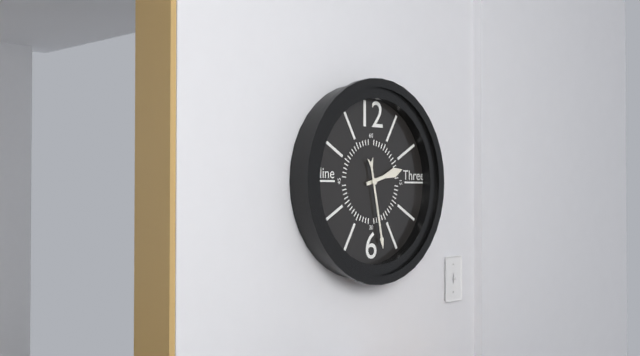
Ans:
2 h 28 min
